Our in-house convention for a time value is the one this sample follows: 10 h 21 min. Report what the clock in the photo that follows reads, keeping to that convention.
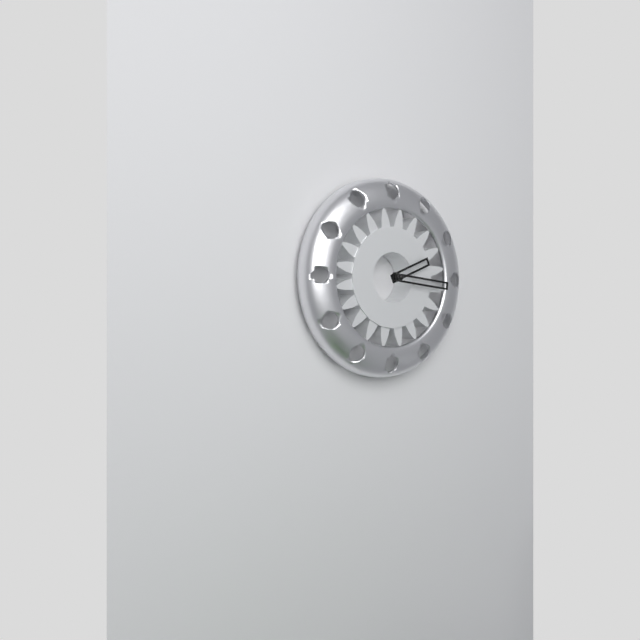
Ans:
2 h 16 min
